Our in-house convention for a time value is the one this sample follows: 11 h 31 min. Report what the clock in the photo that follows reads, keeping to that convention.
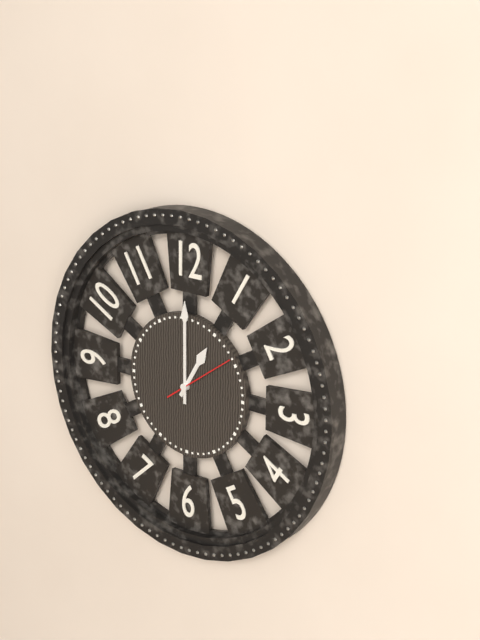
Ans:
1 h 00 min
